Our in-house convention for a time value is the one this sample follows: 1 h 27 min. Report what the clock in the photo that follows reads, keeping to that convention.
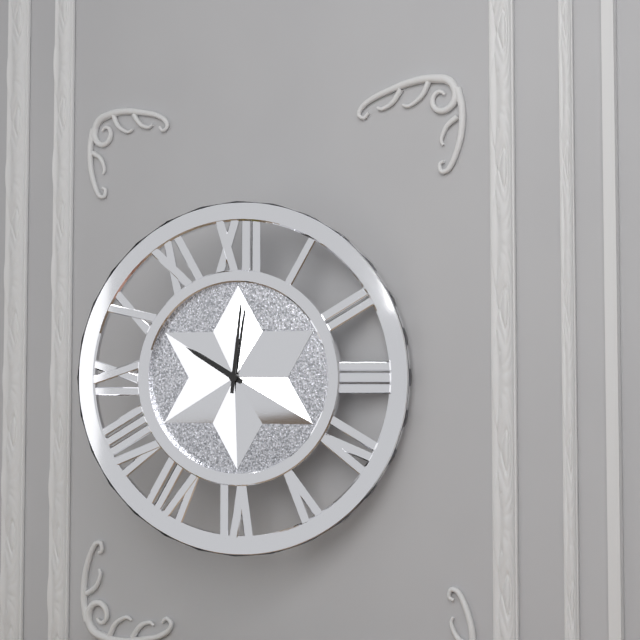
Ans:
10 h 01 min
